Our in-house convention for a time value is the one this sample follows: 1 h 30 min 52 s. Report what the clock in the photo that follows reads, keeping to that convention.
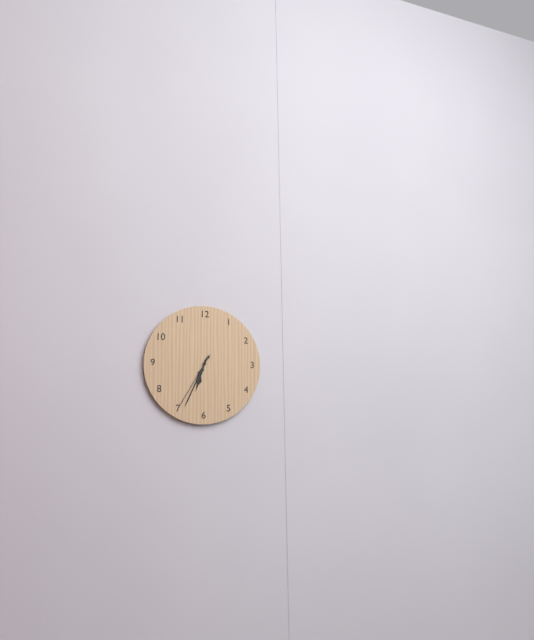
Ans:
6 h 34 min 35 s
